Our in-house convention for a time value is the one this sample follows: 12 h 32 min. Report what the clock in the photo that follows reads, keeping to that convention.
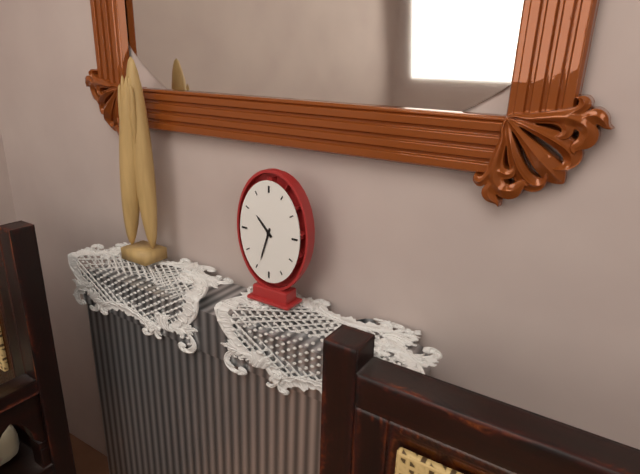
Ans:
10 h 33 min
